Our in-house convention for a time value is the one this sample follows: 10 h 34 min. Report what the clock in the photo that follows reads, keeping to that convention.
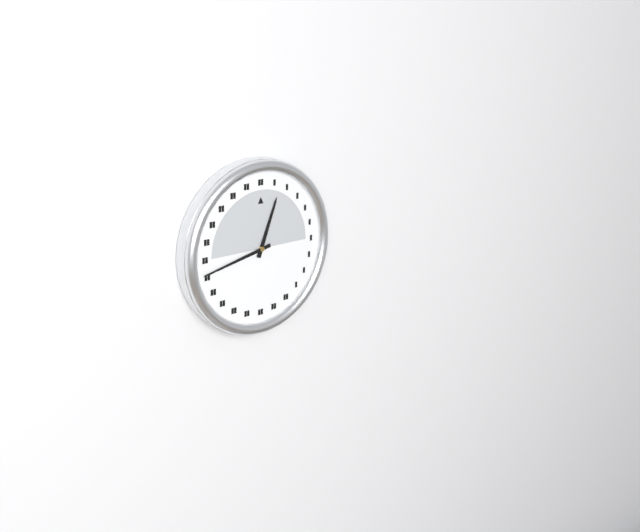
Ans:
12 h 43 min
